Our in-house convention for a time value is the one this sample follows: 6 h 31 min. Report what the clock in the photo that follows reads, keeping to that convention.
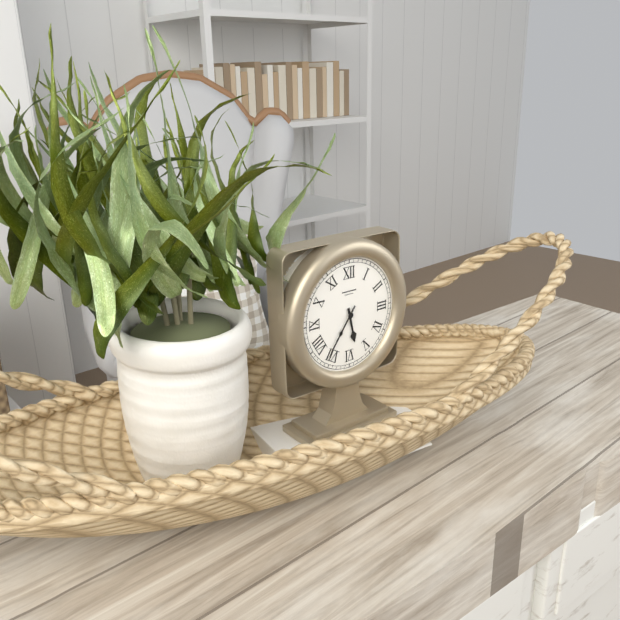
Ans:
5 h 36 min
